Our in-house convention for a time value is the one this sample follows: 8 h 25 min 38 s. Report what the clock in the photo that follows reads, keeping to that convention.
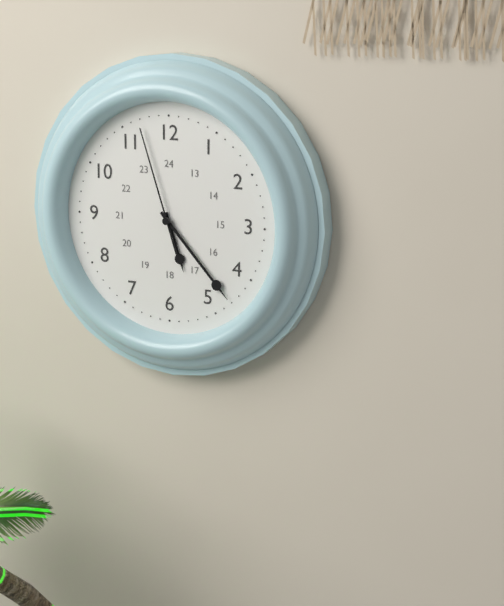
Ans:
5 h 23 min 57 s
